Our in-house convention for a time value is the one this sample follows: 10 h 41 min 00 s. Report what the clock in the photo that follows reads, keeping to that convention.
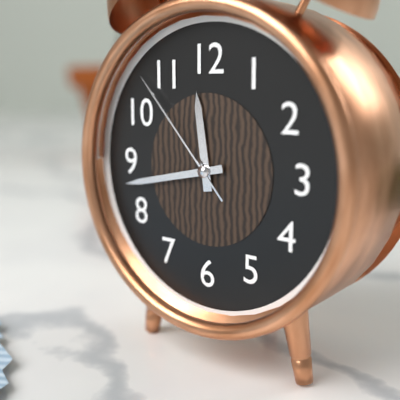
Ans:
11 h 43 min 53 s
